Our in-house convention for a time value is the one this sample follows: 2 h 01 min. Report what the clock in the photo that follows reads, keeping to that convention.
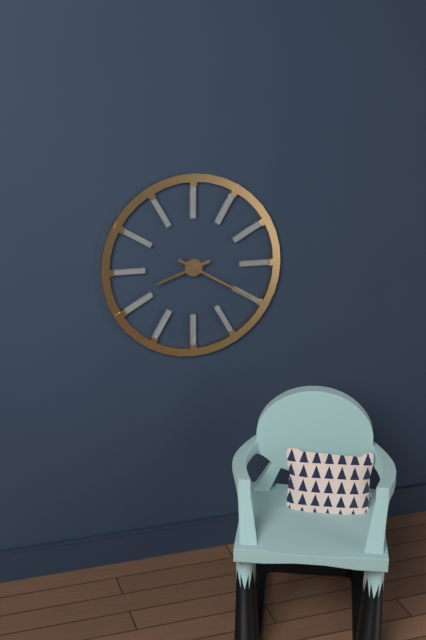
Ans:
8 h 20 min
